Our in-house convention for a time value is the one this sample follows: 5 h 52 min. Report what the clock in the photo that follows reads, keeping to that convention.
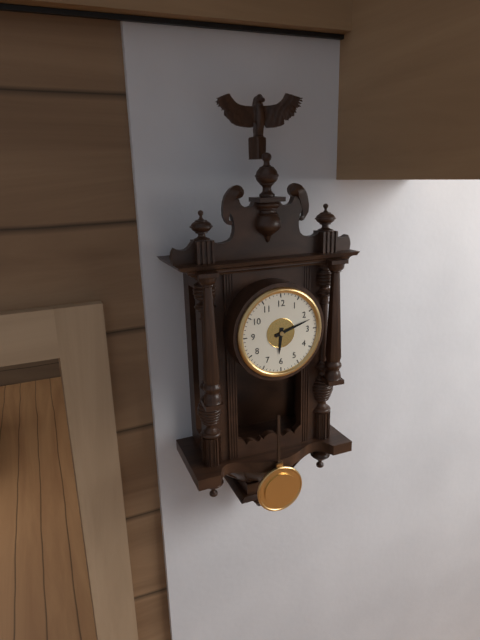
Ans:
6 h 12 min
